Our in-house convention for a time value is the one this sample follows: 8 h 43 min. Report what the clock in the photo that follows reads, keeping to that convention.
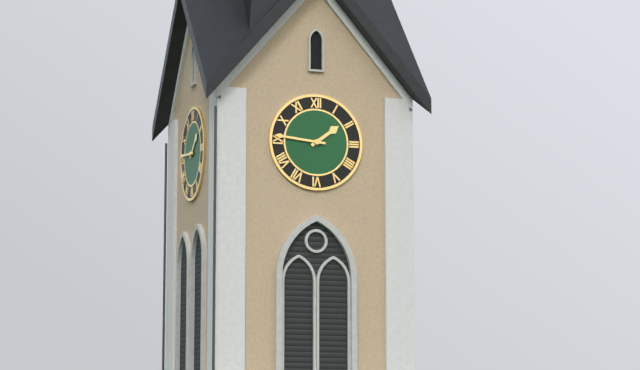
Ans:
1 h 46 min
